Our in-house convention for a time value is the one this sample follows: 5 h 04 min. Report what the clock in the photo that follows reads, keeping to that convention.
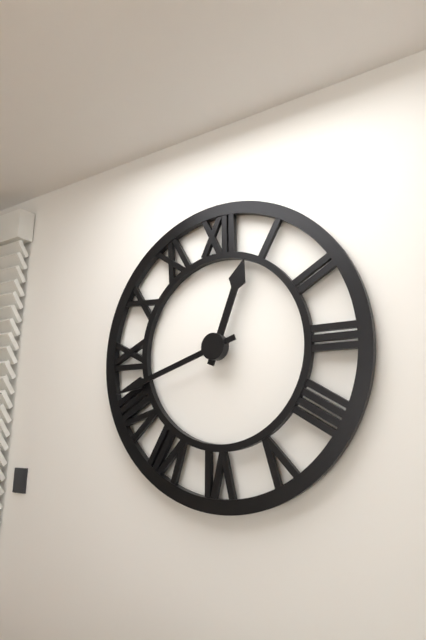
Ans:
12 h 42 min
